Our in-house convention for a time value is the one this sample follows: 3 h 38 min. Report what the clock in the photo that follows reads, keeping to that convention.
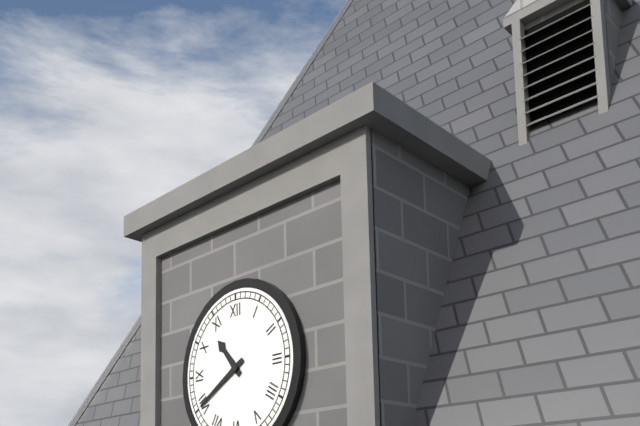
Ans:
10 h 40 min
